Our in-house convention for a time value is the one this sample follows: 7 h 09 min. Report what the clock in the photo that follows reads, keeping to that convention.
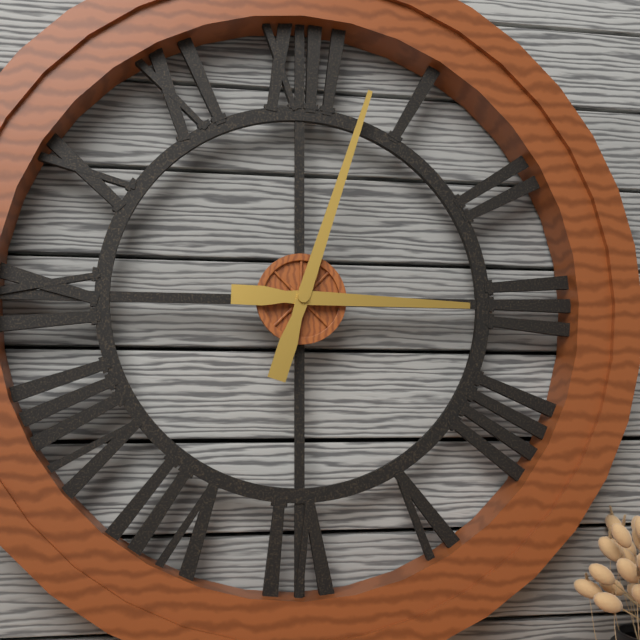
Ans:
3 h 03 min
